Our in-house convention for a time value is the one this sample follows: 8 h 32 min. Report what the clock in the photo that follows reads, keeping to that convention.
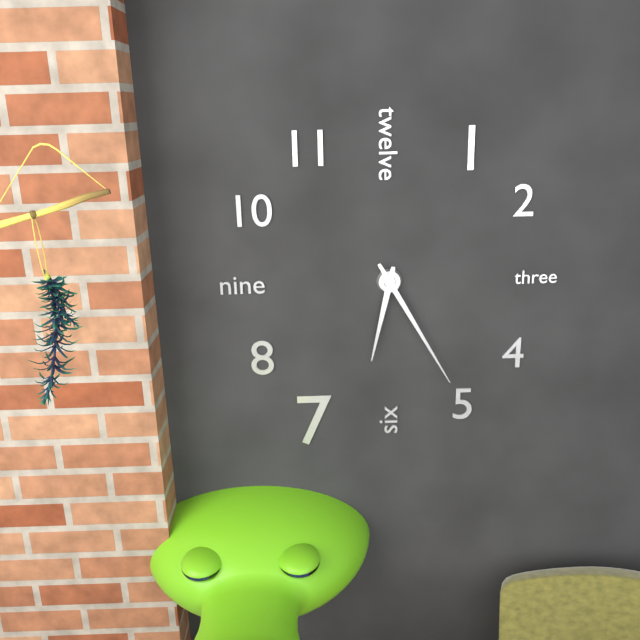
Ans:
6 h 25 min
